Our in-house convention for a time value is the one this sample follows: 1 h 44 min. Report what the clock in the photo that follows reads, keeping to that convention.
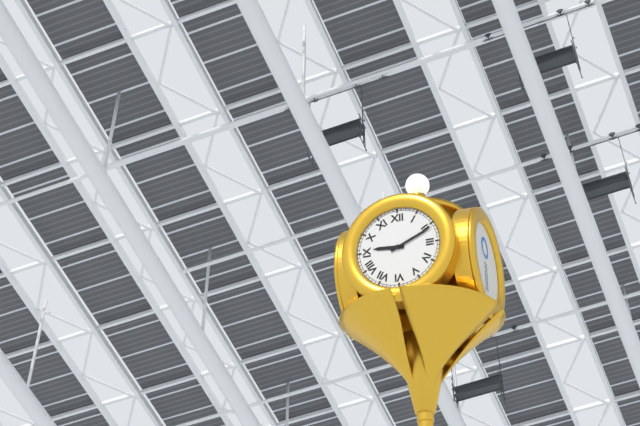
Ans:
9 h 11 min
